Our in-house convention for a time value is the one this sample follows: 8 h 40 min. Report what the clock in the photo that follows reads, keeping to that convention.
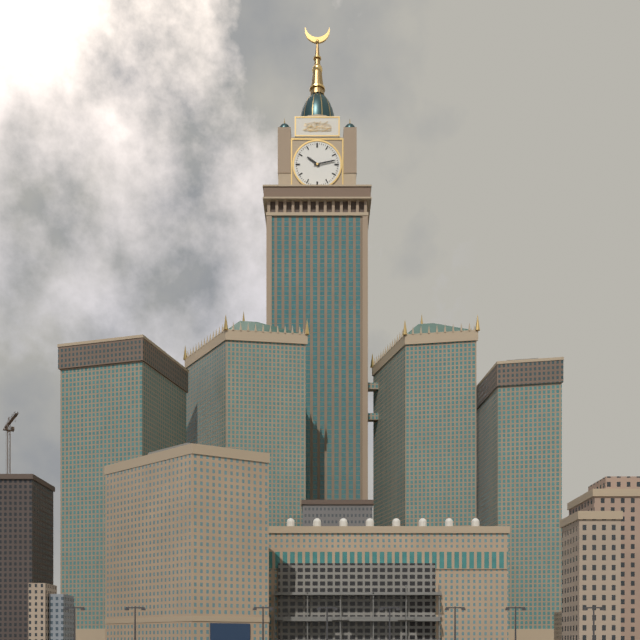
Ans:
10 h 13 min
